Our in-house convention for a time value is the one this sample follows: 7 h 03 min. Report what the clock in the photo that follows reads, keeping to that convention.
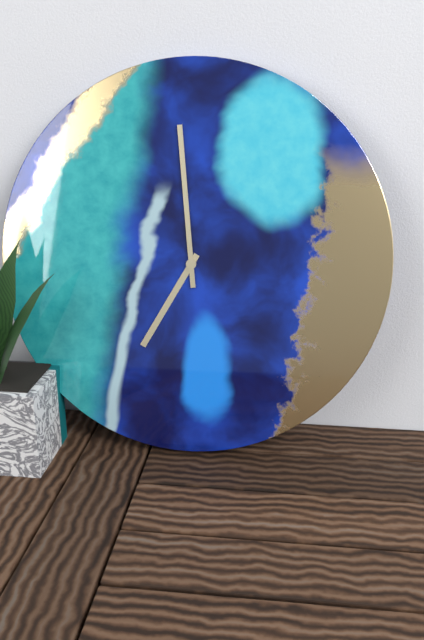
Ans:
6 h 59 min
